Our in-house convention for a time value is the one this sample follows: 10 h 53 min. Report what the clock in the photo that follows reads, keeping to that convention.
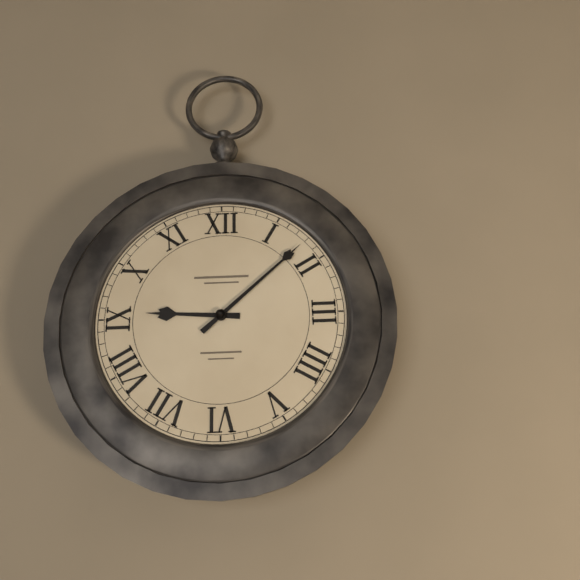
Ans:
9 h 08 min
